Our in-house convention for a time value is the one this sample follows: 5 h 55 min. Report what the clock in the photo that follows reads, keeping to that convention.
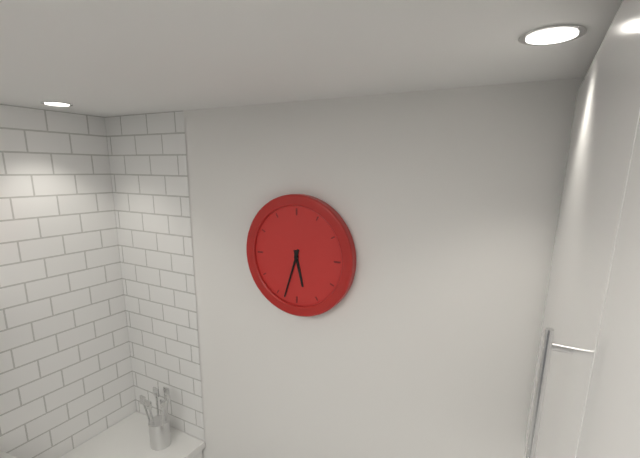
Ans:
5 h 33 min
